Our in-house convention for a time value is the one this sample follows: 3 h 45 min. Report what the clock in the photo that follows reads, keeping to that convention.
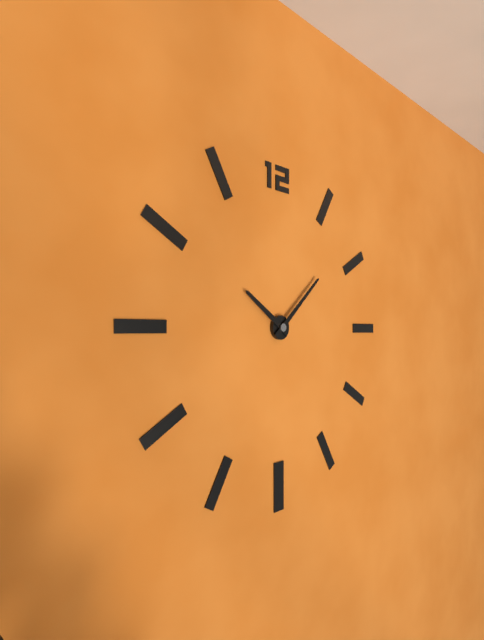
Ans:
10 h 08 min
